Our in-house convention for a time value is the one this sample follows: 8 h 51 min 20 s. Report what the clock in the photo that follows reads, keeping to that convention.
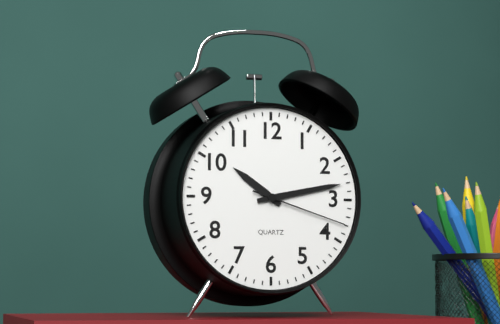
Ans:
10 h 13 min 18 s
